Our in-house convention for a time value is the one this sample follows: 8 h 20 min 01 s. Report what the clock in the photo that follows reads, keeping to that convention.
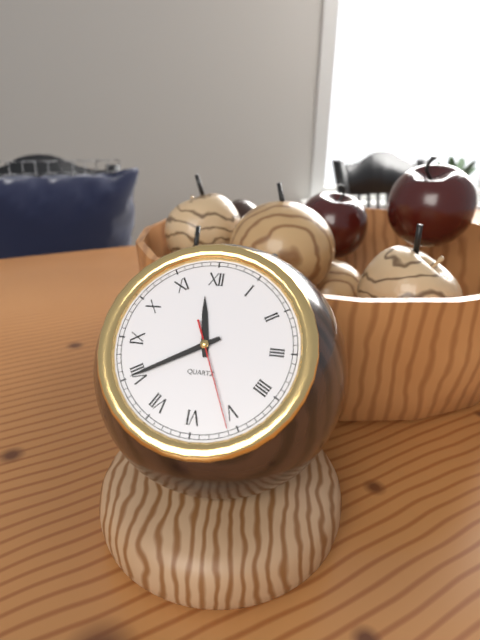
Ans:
11 h 40 min 26 s
